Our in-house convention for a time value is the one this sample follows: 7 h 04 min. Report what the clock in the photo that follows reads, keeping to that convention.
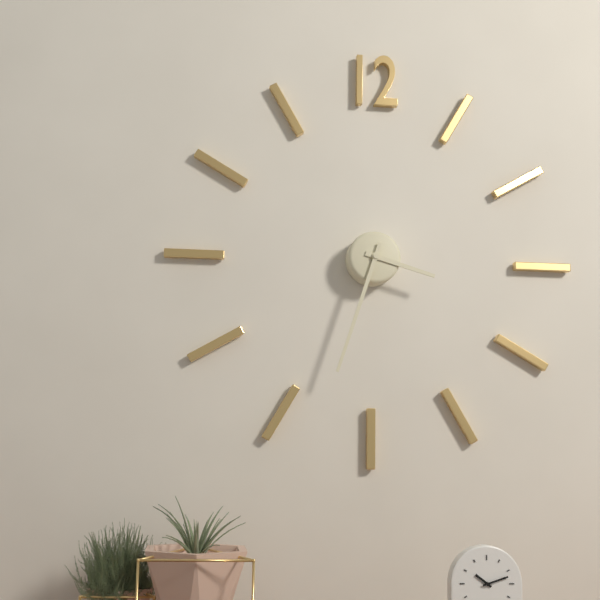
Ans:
3 h 33 min
